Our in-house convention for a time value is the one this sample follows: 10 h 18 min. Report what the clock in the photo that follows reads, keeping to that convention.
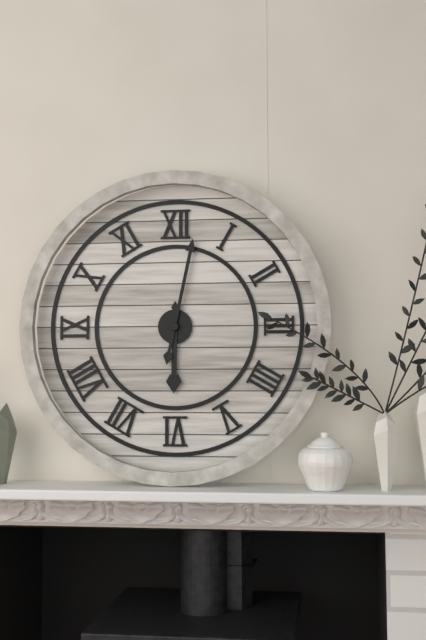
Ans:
6 h 02 min
